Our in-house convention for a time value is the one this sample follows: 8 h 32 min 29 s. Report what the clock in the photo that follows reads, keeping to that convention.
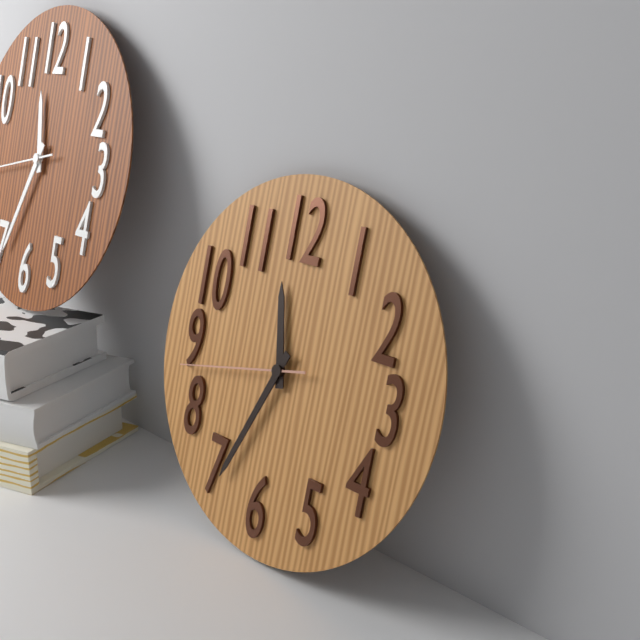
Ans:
11 h 34 min 43 s
